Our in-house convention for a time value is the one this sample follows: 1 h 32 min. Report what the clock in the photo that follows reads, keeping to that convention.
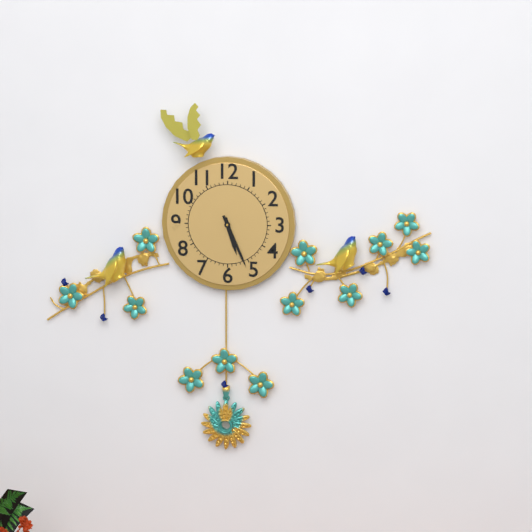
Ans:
5 h 26 min
